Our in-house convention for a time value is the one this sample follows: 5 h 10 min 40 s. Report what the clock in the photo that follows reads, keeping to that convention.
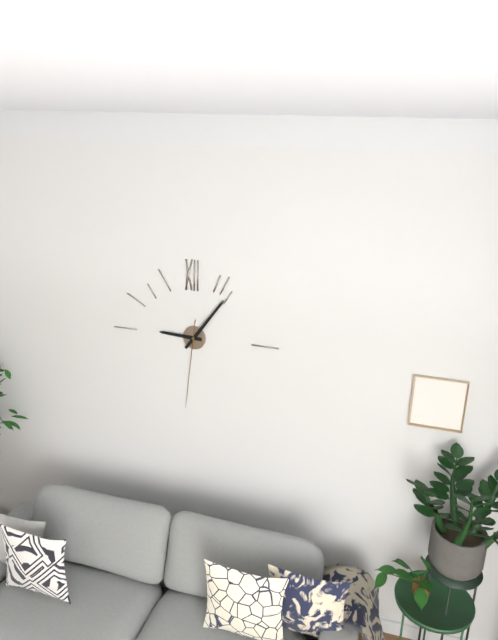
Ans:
9 h 06 min 31 s
